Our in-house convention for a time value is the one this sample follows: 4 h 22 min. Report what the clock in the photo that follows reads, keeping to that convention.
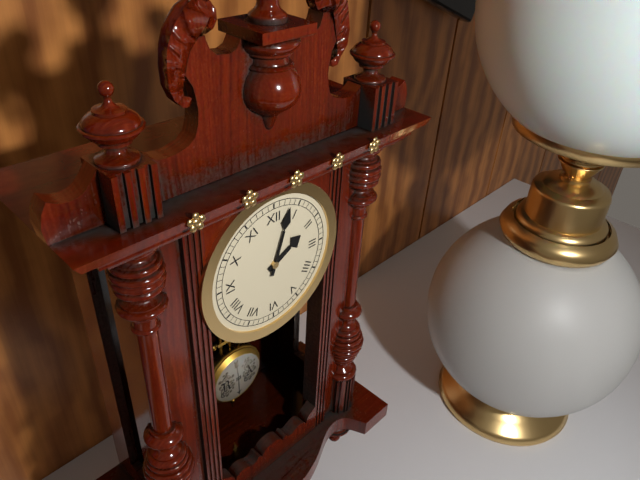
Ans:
2 h 03 min
